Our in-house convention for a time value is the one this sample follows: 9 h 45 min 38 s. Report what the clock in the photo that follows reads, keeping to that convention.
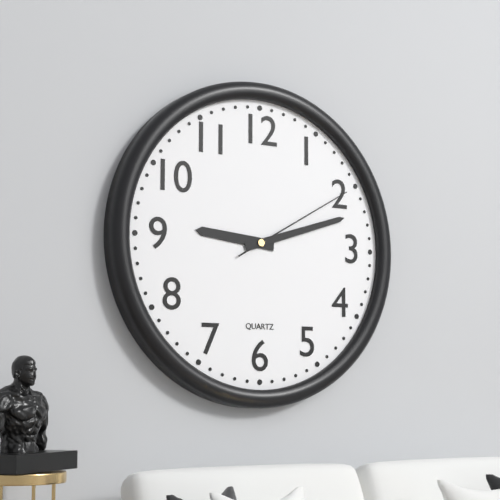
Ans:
9 h 12 min 10 s
